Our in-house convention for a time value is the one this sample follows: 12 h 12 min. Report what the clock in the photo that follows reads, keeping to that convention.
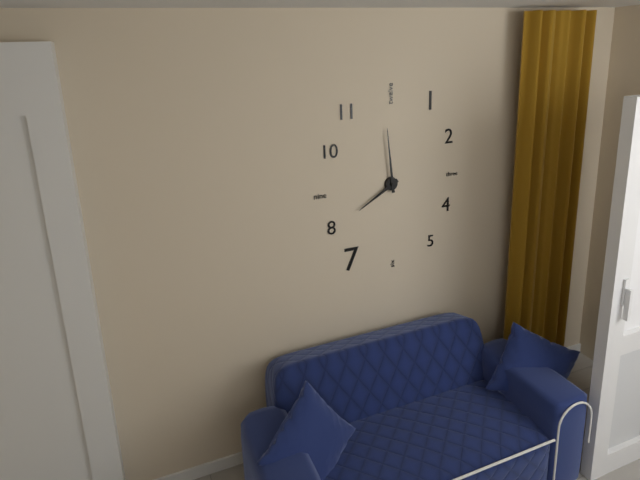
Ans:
7 h 59 min
